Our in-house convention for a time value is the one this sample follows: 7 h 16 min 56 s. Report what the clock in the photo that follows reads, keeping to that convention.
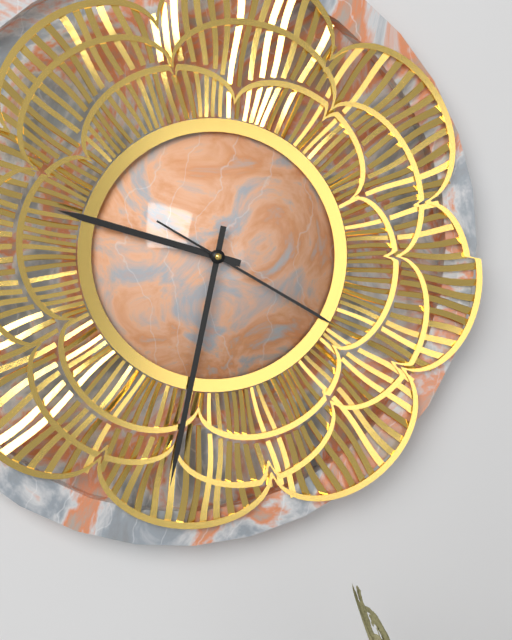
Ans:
9 h 32 min 20 s
